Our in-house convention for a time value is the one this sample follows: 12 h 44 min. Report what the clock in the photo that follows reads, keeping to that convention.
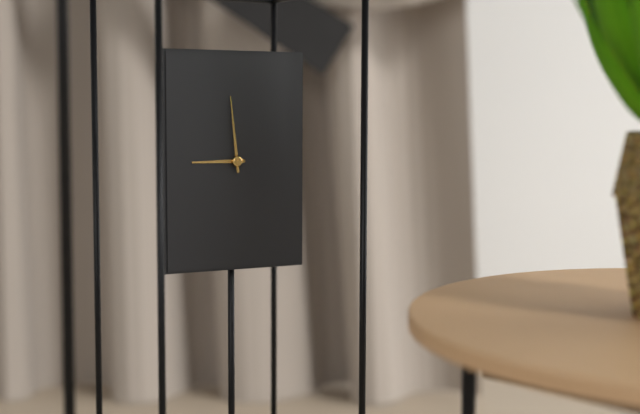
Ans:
8 h 59 min
